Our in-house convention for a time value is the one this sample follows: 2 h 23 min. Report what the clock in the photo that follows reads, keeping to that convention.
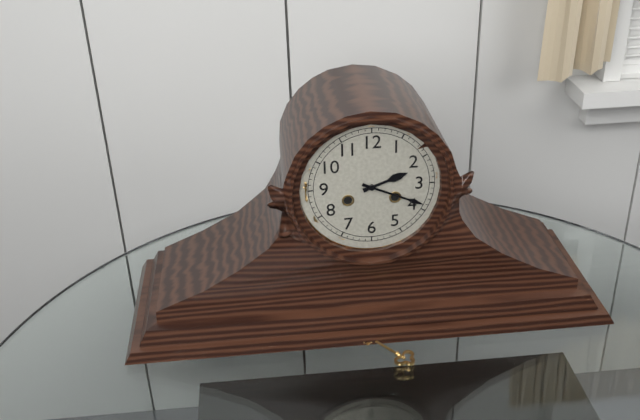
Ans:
2 h 19 min
